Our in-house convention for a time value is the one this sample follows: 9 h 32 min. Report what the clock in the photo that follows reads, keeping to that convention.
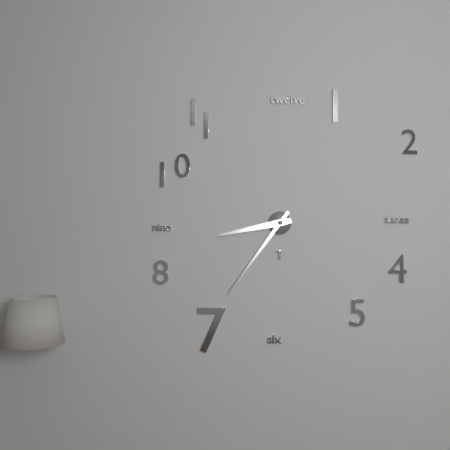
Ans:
8 h 36 min
